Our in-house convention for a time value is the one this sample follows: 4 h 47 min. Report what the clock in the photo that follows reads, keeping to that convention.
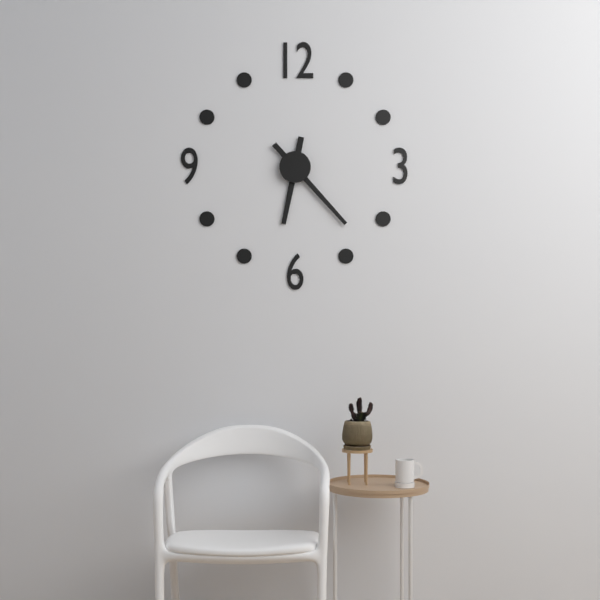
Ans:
6 h 23 min
